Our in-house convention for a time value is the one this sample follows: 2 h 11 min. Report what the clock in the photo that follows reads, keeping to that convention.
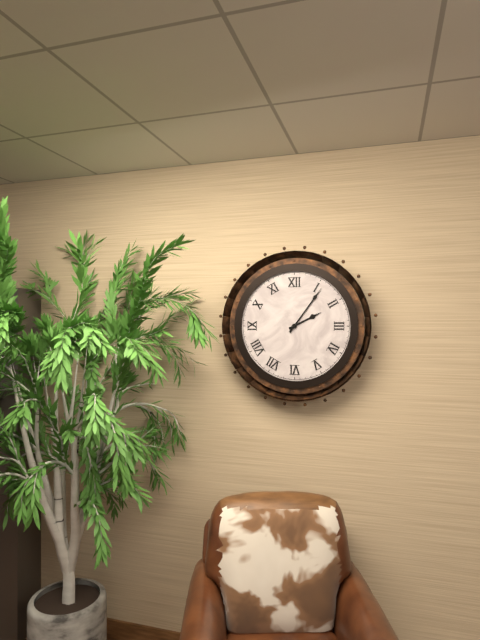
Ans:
2 h 06 min
